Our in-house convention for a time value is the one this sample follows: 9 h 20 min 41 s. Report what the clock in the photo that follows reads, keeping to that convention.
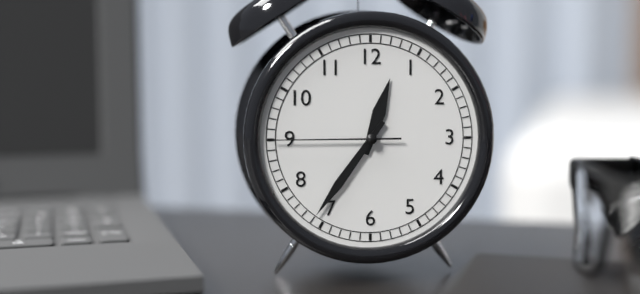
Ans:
12 h 36 min 45 s
